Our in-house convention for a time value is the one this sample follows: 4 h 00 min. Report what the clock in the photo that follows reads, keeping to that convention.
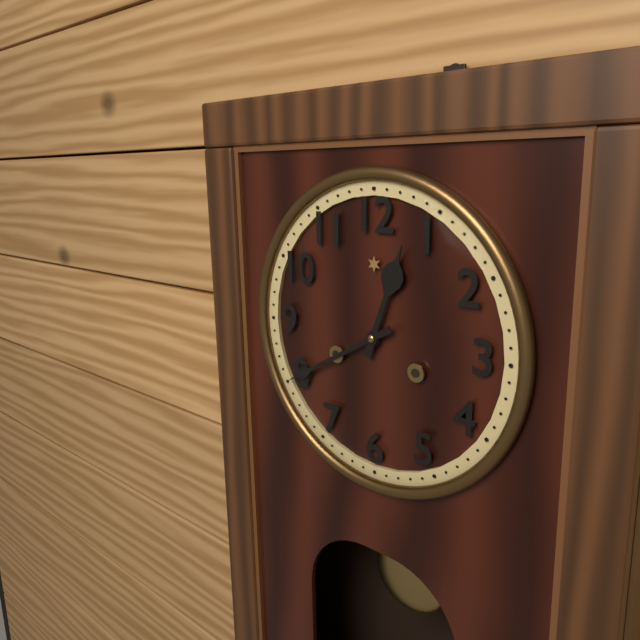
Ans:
12 h 40 min
